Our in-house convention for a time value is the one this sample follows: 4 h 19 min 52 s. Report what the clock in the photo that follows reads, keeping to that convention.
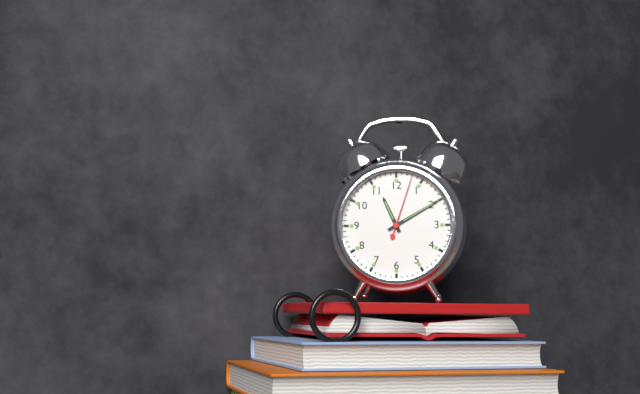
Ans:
11 h 10 min 03 s
